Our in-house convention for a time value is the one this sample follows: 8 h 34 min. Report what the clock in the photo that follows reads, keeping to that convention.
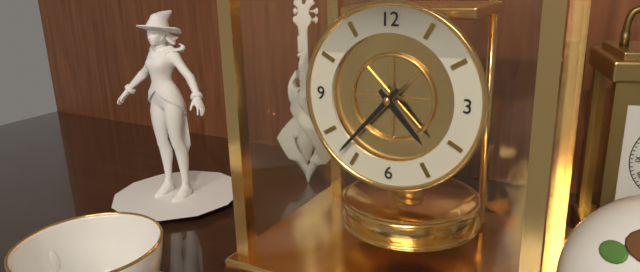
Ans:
4 h 37 min
